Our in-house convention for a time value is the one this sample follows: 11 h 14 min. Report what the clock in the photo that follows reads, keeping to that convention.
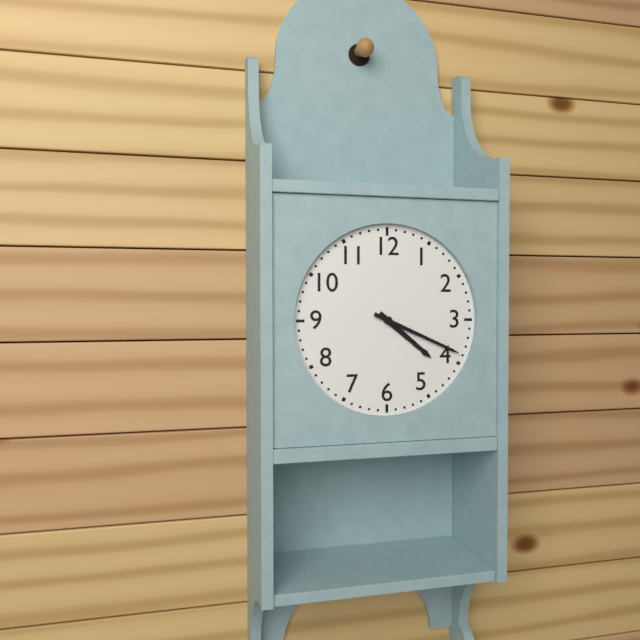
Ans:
4 h 19 min
